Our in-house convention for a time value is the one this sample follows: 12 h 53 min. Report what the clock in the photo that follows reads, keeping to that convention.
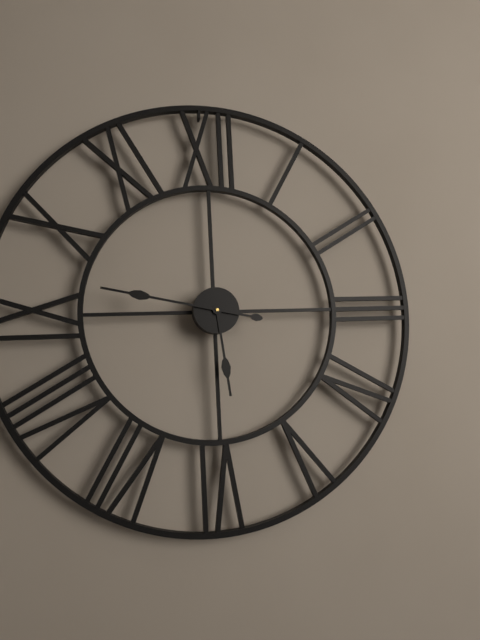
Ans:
5 h 47 min
